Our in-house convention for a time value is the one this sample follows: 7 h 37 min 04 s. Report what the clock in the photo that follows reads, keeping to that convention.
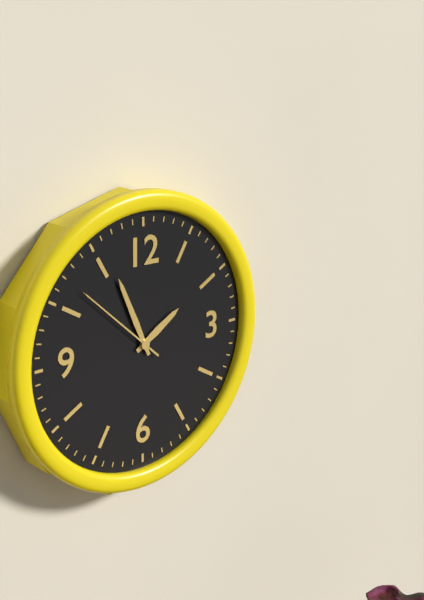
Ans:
1 h 56 min 52 s
